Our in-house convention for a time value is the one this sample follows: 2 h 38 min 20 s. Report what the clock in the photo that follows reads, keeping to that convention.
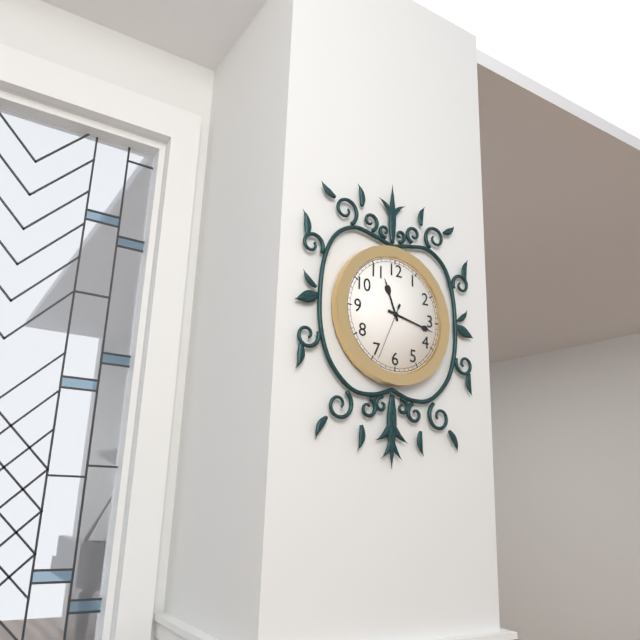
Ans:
11 h 17 min 34 s
